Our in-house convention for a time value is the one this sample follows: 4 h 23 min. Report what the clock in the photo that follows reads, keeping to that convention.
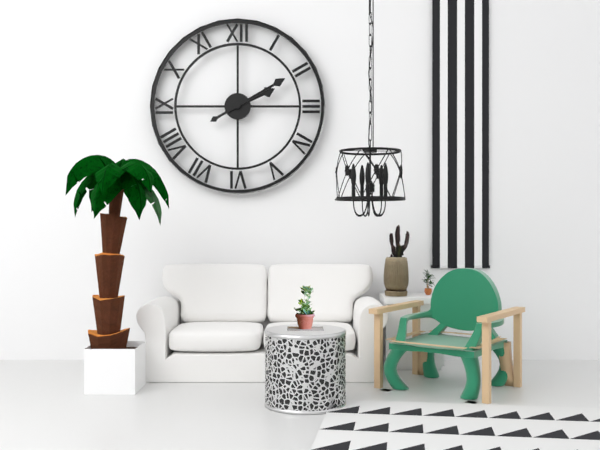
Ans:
2 h 10 min
